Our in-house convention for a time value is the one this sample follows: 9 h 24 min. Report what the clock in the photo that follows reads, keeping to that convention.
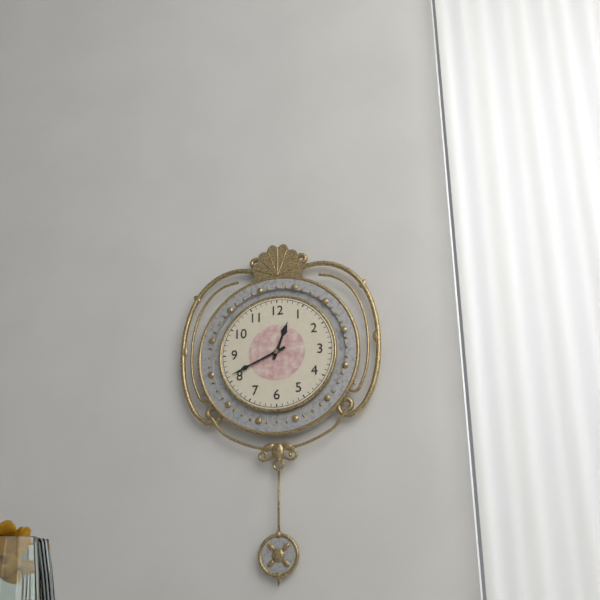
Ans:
12 h 41 min
